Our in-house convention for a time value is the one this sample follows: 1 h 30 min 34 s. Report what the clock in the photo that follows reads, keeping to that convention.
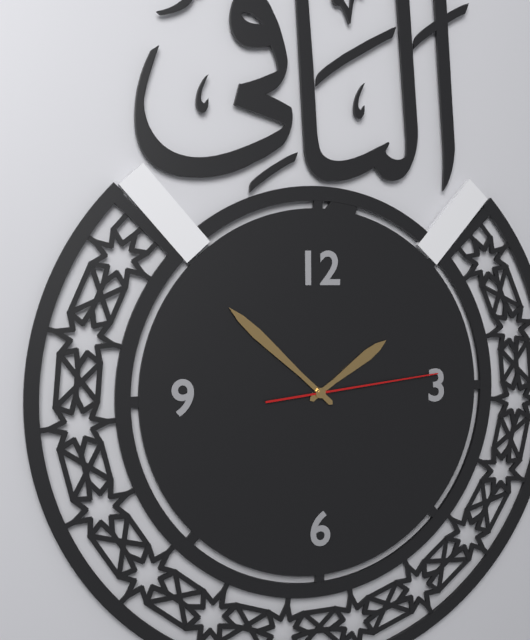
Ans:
1 h 52 min 14 s
